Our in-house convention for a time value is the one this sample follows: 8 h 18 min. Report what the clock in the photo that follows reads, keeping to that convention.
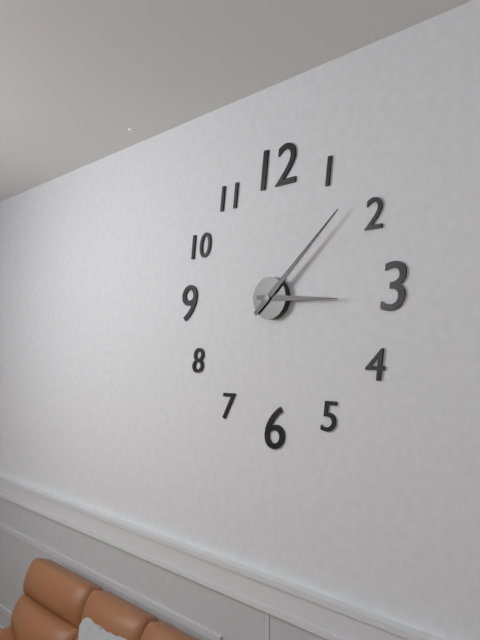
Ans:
3 h 08 min
